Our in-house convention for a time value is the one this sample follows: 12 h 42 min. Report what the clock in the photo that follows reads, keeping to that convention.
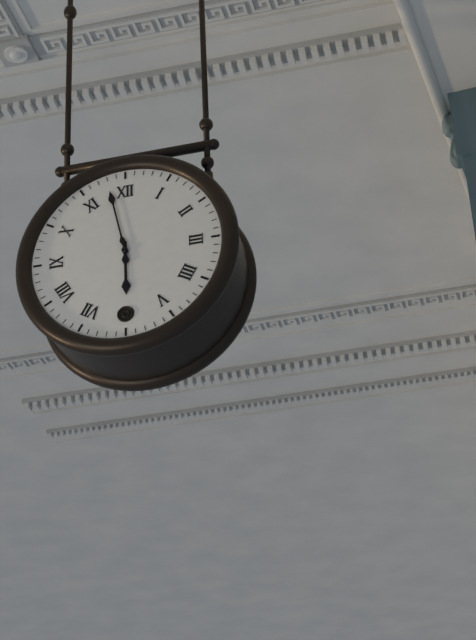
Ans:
5 h 58 min
